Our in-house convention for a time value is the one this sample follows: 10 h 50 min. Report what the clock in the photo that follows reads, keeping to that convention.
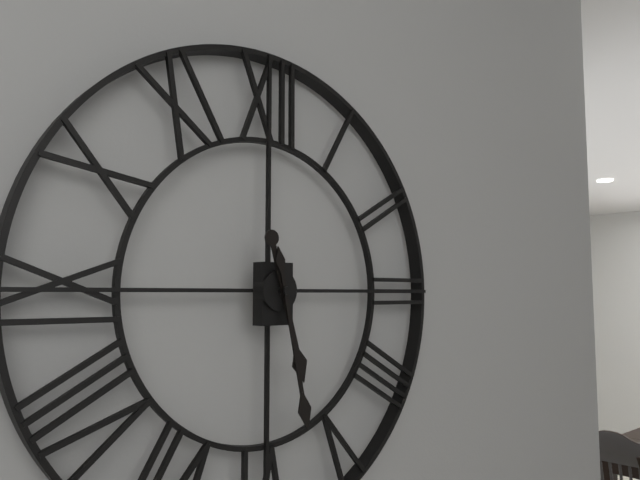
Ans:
5 h 28 min
